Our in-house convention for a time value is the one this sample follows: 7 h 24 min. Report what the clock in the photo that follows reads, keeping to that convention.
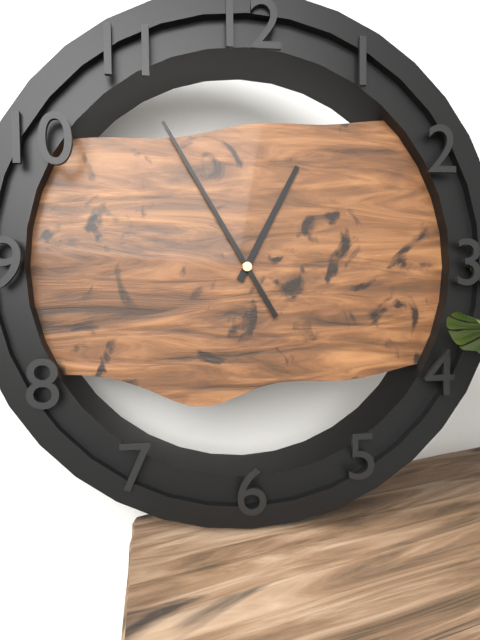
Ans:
12 h 55 min
